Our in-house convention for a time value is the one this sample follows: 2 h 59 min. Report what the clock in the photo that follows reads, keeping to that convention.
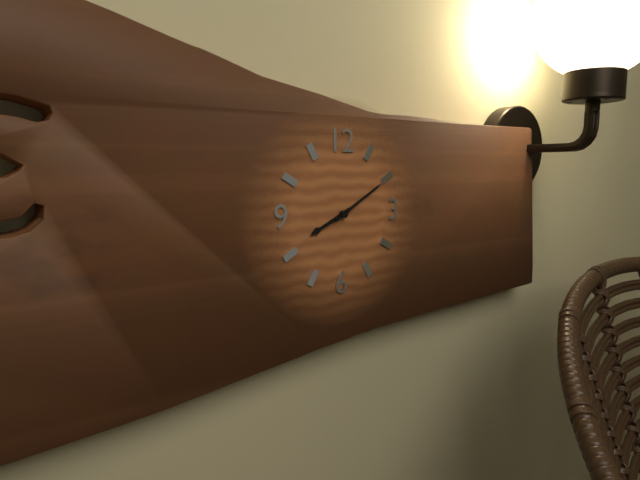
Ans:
8 h 10 min
